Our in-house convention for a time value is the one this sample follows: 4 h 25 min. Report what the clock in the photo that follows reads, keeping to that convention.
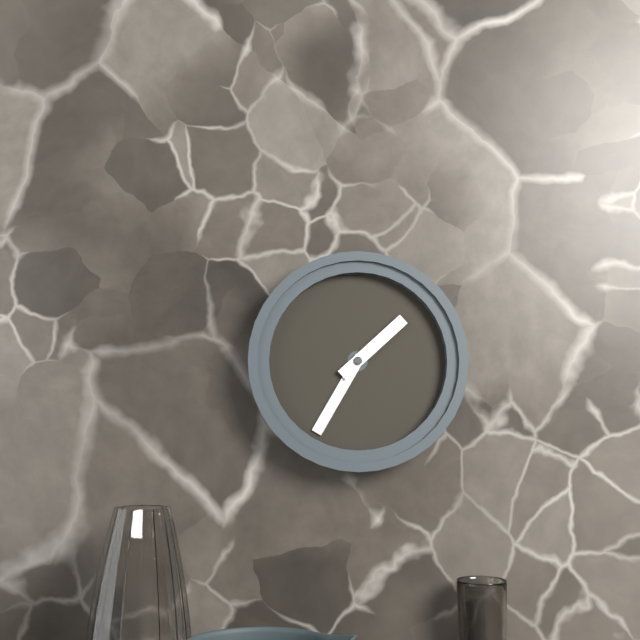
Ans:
1 h 35 min
